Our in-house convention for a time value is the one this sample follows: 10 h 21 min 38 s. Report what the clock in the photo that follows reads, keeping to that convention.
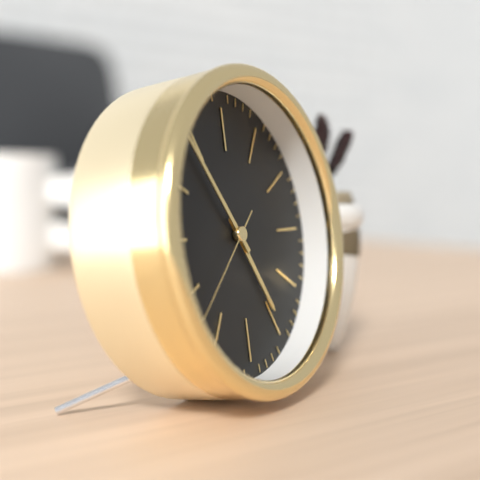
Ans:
4 h 54 min 38 s
